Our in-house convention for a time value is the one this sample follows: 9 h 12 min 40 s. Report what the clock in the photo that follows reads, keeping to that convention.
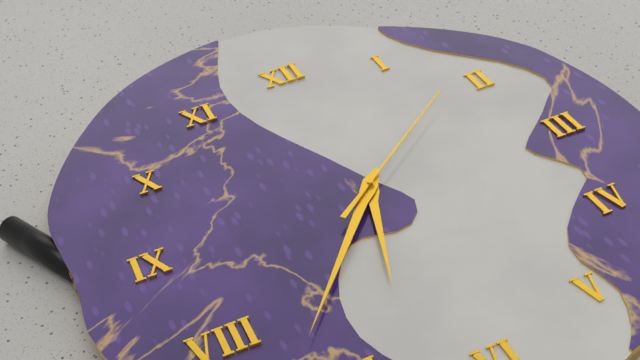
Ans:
6 h 37 min 09 s
